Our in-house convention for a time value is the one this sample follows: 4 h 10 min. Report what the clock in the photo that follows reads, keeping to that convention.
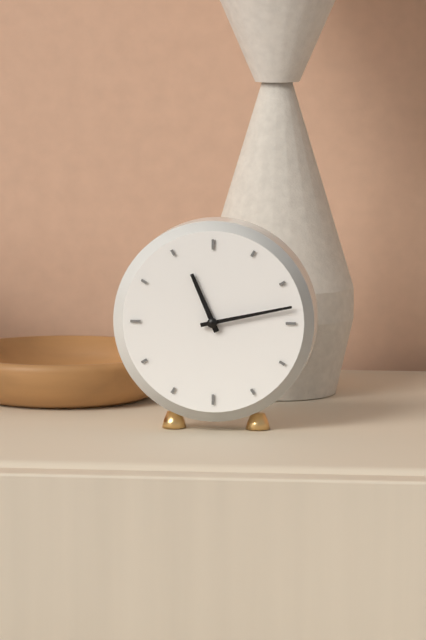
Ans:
11 h 13 min
